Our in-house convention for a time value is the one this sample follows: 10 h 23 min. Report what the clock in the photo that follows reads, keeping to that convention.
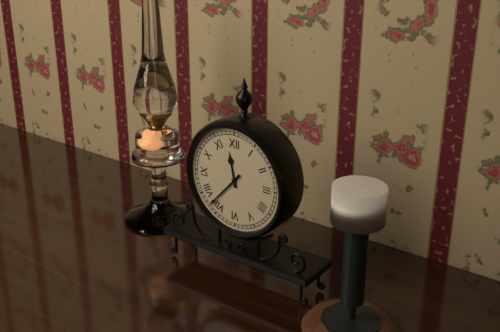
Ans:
11 h 37 min
